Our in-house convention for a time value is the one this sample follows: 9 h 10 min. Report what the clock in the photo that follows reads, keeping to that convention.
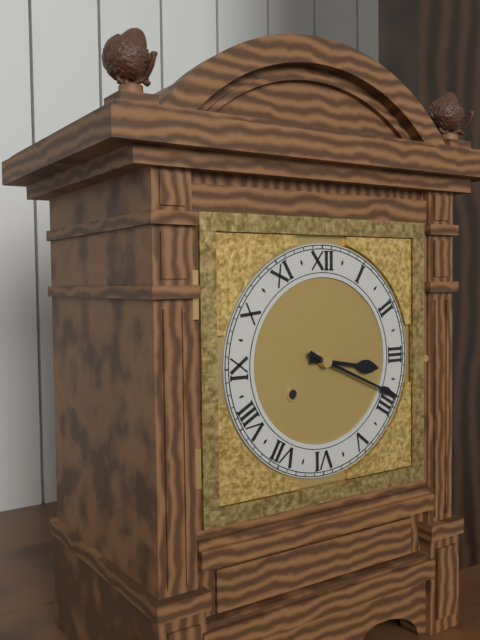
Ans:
3 h 19 min
